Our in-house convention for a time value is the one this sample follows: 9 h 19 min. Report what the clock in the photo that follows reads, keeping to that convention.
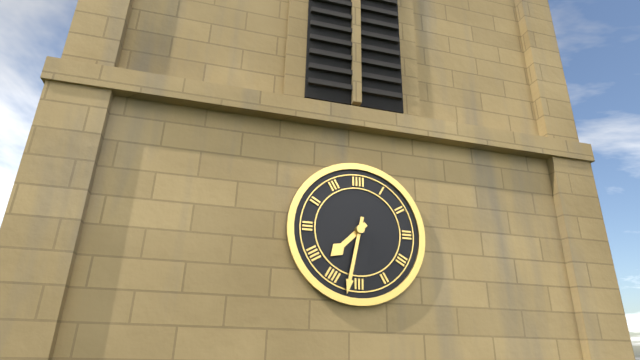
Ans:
7 h 32 min
